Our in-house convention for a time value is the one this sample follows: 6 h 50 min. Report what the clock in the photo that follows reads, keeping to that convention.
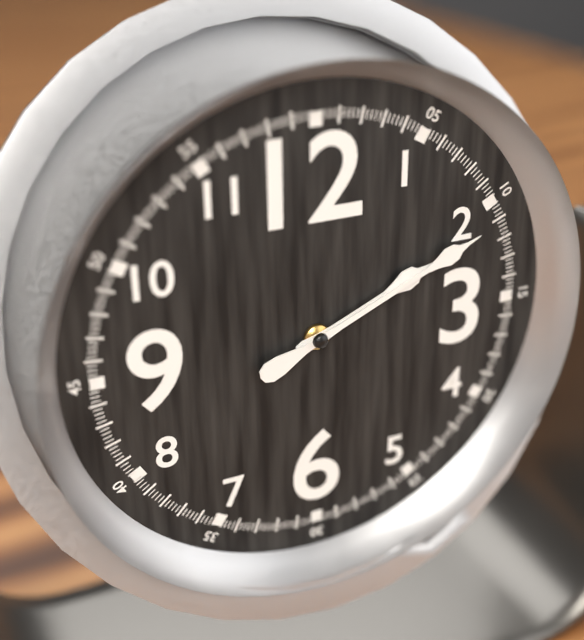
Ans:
2 h 11 min
